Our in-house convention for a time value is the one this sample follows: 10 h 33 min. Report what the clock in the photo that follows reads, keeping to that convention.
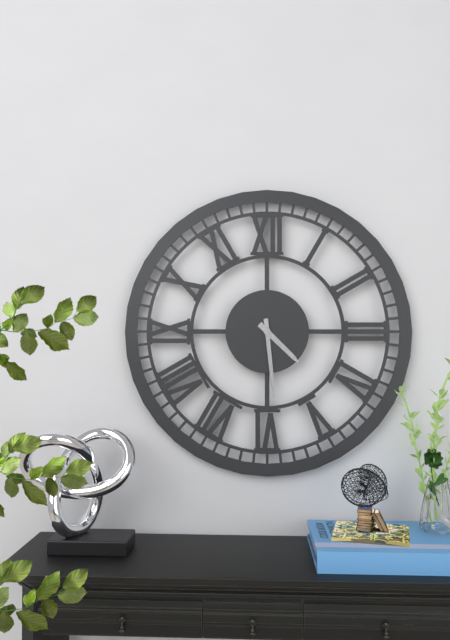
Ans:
4 h 29 min
